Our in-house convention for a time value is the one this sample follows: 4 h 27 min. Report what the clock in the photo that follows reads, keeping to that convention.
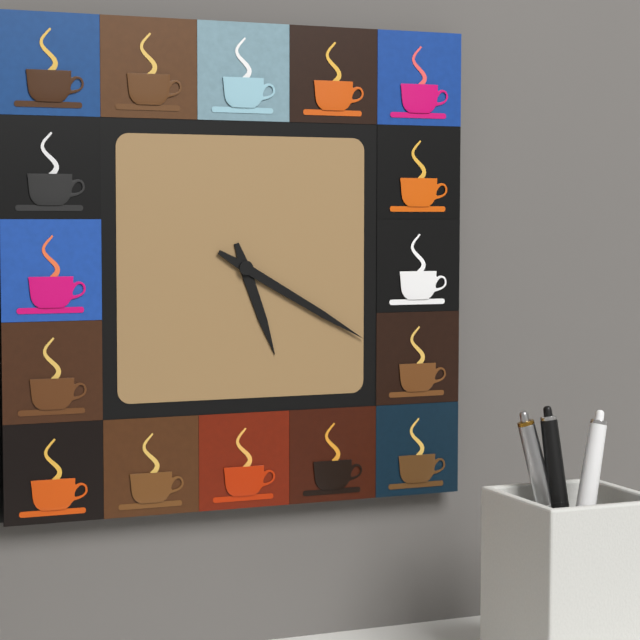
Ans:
5 h 20 min
